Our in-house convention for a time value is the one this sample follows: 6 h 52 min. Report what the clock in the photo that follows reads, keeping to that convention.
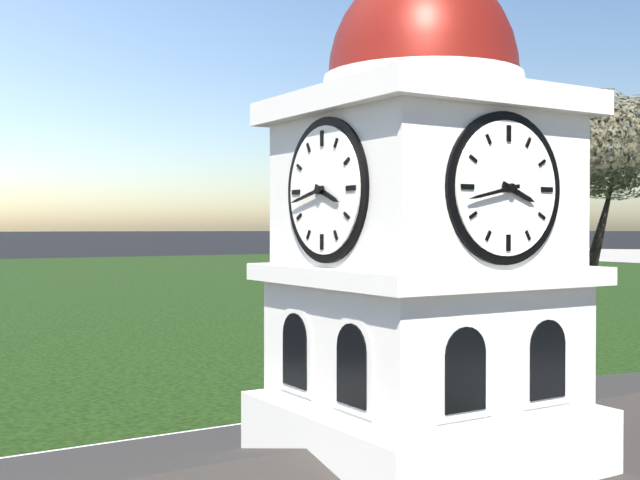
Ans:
3 h 43 min
